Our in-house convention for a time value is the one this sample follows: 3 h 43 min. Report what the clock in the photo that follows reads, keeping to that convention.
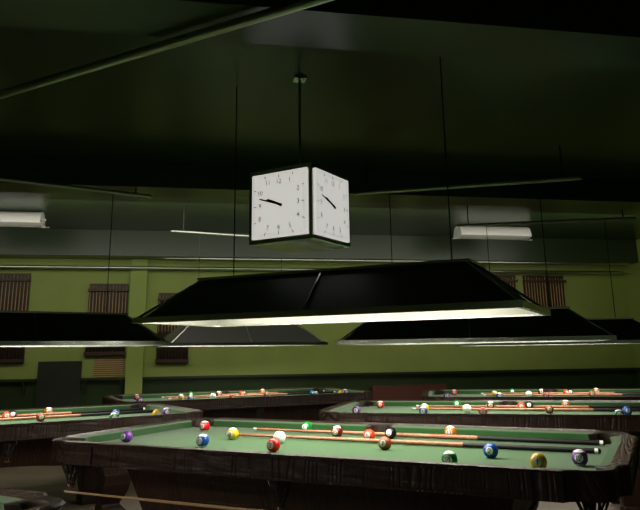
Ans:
9 h 48 min
